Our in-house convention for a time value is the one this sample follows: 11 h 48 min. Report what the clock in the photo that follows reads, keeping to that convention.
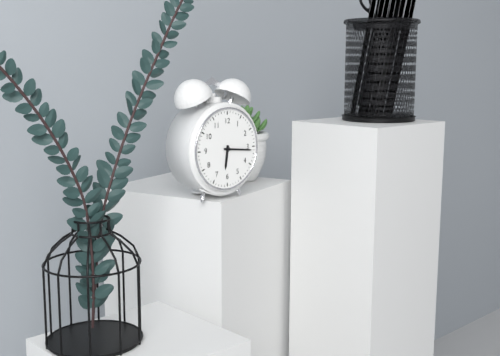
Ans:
6 h 16 min
